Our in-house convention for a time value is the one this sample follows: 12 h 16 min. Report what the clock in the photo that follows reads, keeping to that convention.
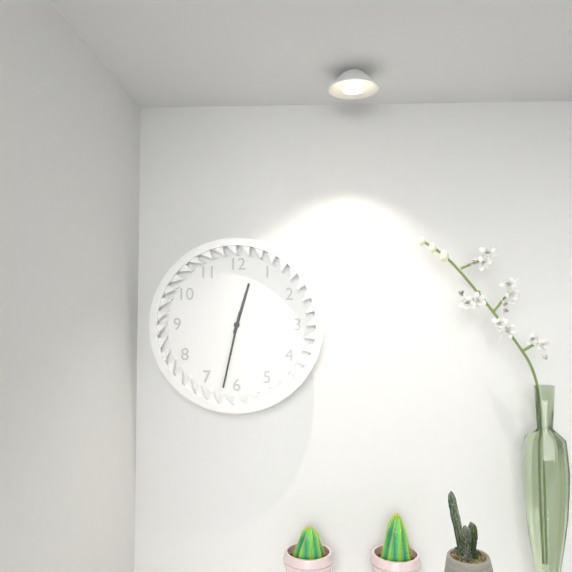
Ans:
12 h 32 min
